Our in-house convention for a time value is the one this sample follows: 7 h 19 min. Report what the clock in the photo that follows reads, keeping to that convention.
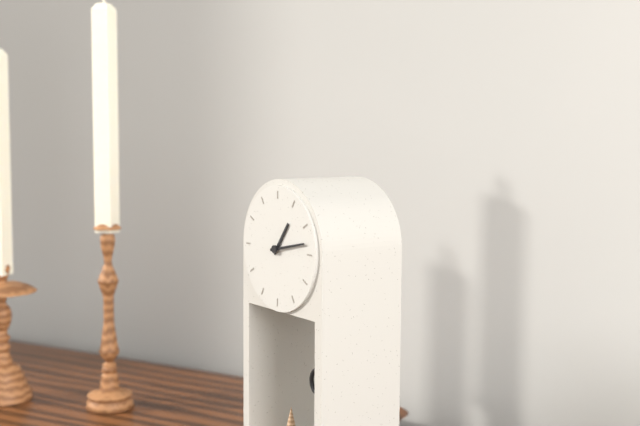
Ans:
1 h 13 min
